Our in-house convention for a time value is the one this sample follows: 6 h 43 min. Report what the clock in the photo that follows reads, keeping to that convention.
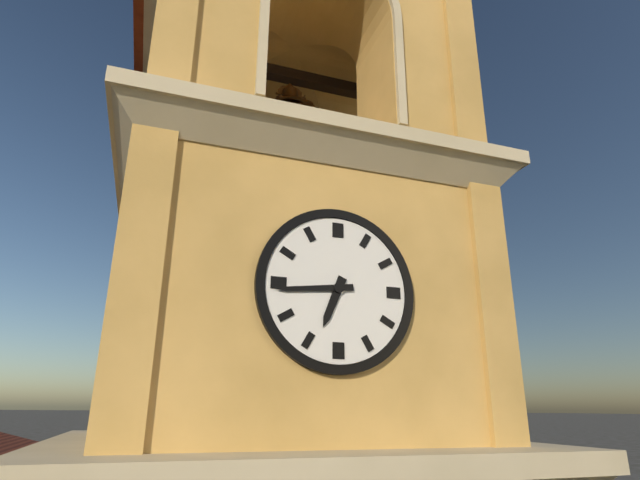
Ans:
6 h 44 min
